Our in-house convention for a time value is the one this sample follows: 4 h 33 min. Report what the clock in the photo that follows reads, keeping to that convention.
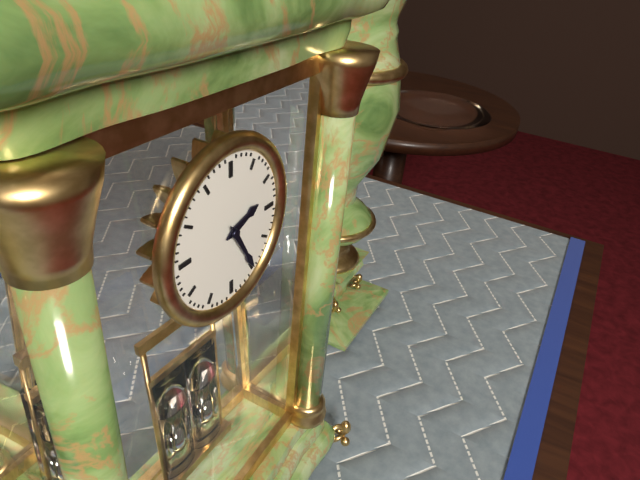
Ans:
2 h 25 min
